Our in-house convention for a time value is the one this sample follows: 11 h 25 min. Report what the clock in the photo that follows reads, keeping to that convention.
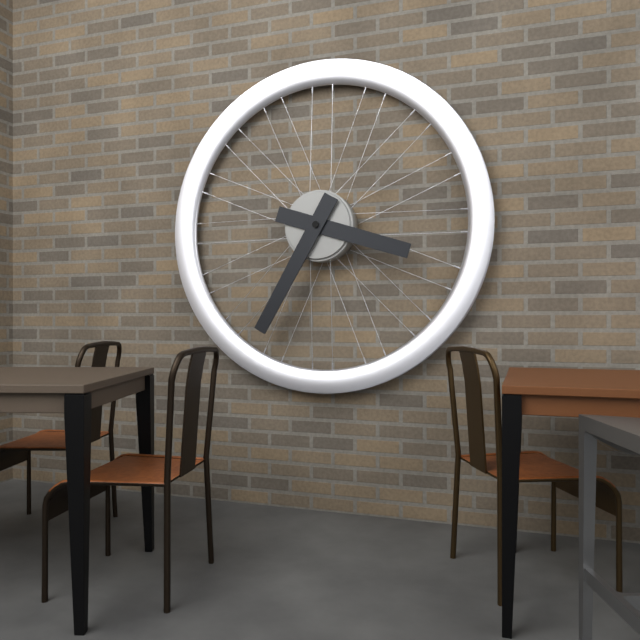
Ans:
3 h 35 min
